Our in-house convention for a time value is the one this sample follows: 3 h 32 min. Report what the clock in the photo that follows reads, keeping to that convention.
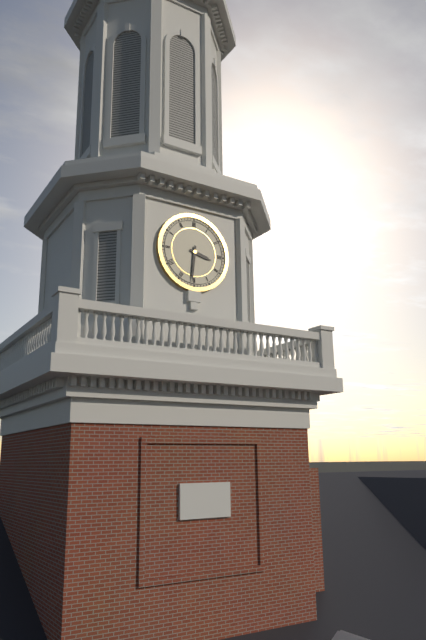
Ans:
3 h 31 min
